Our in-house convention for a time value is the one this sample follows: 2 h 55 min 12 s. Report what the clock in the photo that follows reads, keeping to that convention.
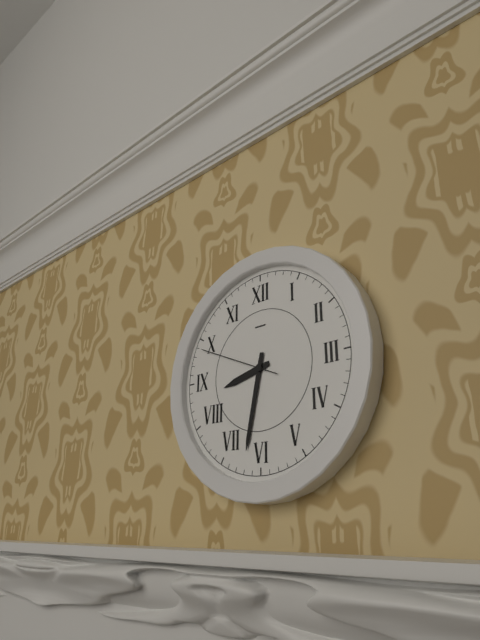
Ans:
8 h 32 min 49 s
